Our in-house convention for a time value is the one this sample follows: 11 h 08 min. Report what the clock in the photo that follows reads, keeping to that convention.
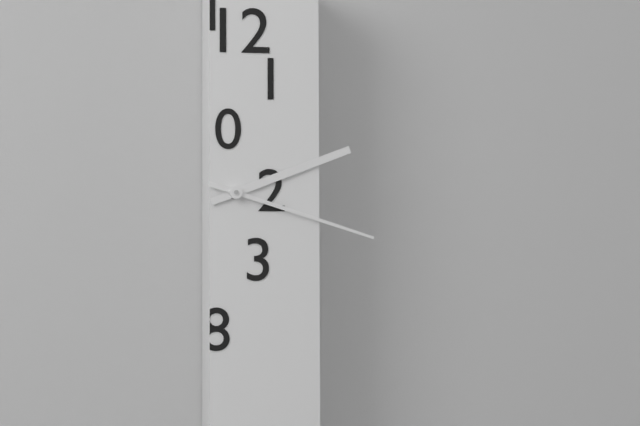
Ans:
2 h 18 min
